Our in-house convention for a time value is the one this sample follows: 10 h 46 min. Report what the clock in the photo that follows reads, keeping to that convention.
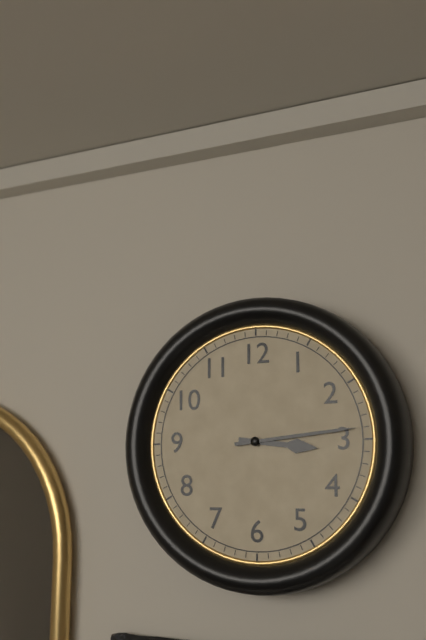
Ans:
3 h 14 min
